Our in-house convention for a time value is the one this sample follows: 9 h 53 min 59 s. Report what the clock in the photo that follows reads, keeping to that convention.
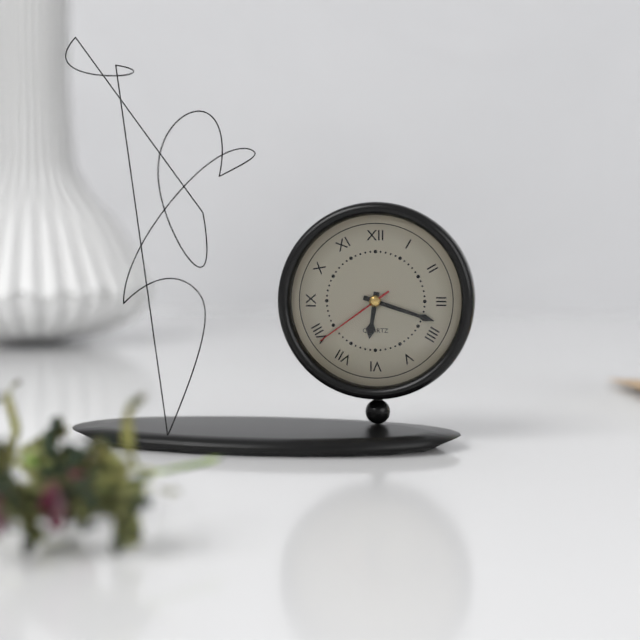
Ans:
6 h 18 min 39 s
